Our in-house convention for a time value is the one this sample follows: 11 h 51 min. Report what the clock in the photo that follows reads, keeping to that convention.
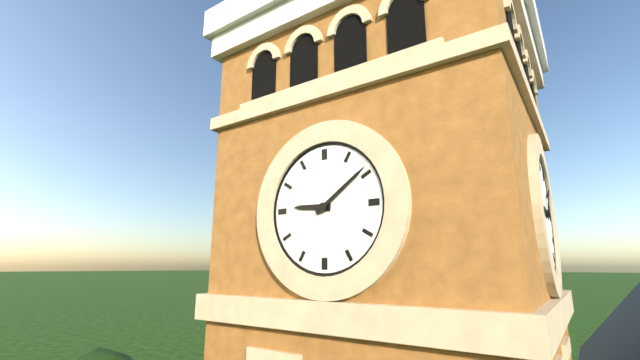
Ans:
9 h 09 min
